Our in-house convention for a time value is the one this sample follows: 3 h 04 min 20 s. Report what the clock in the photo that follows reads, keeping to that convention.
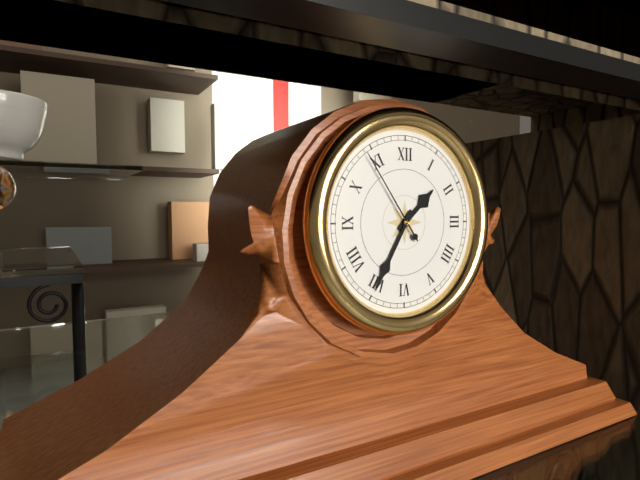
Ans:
1 h 35 min 54 s
